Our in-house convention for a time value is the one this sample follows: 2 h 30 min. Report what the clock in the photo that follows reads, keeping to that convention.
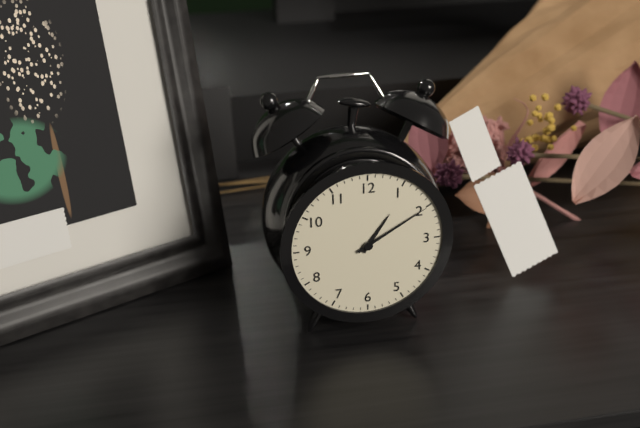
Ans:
1 h 10 min
